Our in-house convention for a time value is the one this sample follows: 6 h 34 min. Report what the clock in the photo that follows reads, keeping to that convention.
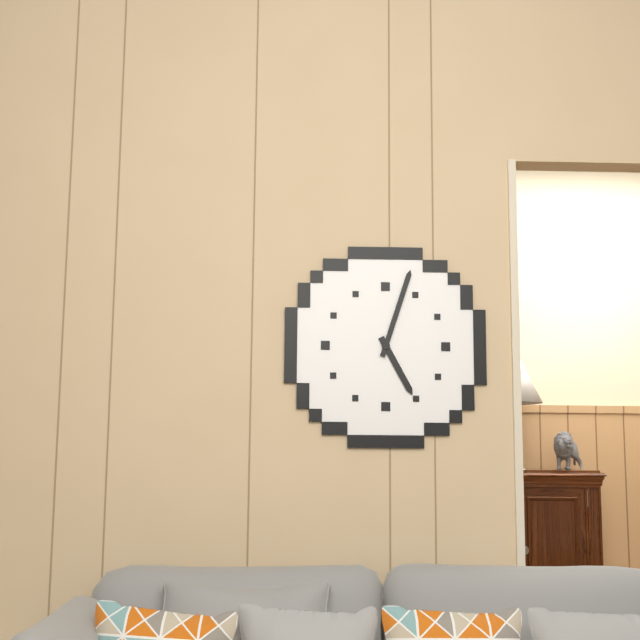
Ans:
5 h 03 min
